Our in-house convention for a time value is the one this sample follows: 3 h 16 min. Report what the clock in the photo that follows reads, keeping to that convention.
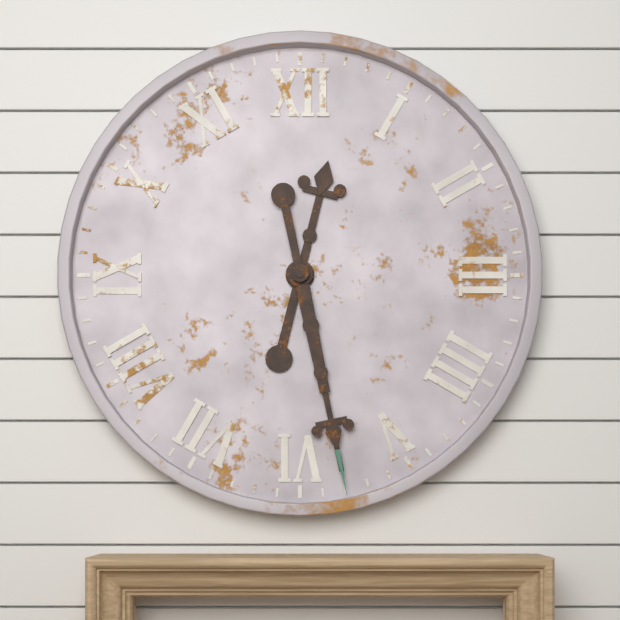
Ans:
12 h 28 min
